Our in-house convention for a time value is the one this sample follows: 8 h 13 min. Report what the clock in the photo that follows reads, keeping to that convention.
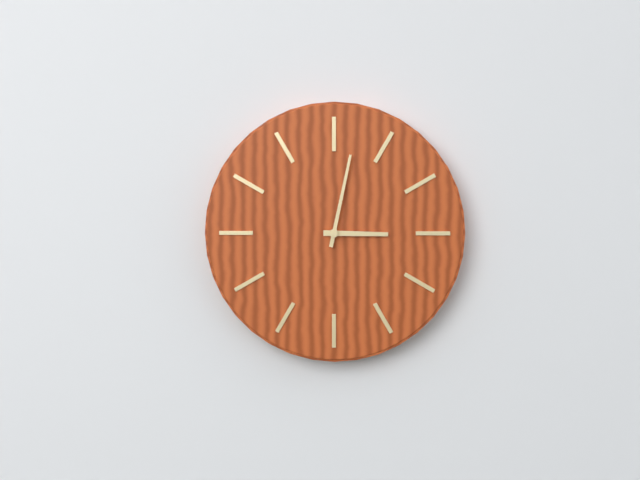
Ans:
3 h 02 min
